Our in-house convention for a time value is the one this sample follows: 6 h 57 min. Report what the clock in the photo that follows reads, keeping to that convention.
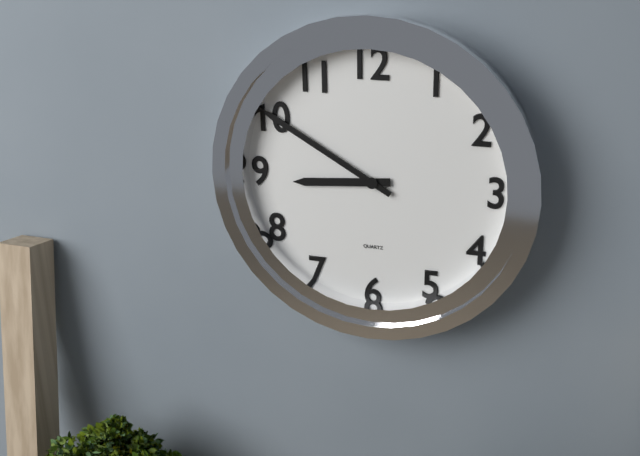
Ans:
8 h 50 min
